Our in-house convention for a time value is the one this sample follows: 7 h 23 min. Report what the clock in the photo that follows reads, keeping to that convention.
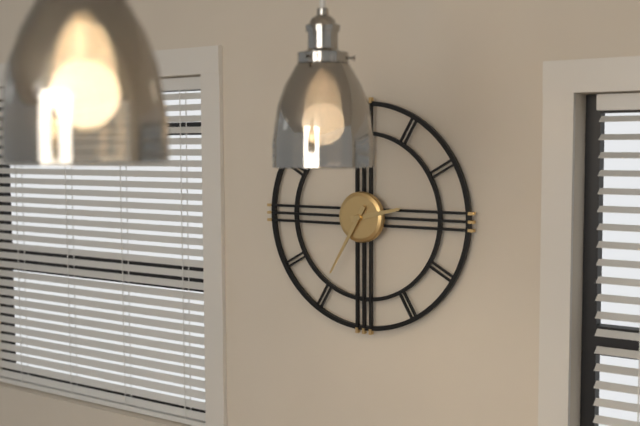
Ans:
2 h 35 min
